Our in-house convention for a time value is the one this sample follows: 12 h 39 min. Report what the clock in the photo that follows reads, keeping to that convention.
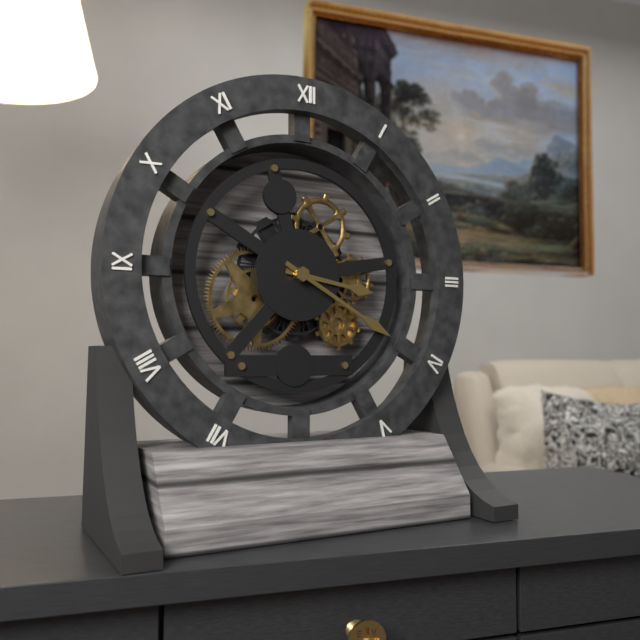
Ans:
3 h 20 min
